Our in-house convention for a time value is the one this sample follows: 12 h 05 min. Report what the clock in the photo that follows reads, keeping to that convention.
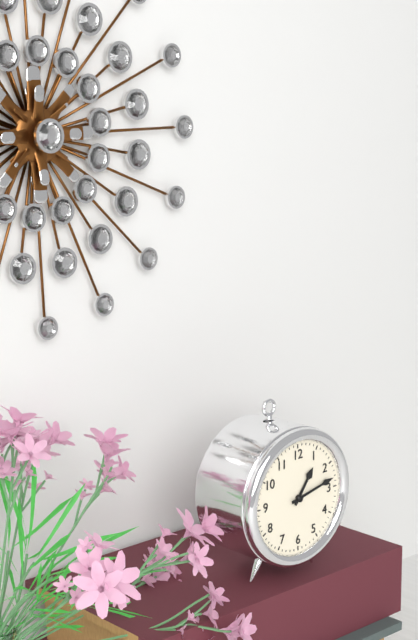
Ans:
1 h 13 min
